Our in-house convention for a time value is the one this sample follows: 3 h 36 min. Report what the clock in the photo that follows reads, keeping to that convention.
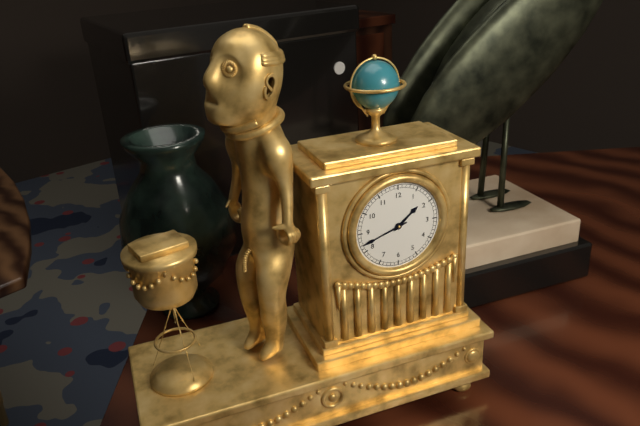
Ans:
1 h 42 min
